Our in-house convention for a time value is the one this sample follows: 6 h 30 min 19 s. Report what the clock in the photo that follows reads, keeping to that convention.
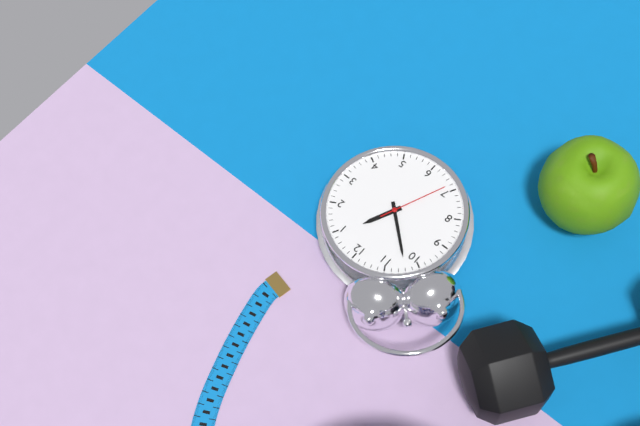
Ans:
12 h 52 min 34 s
